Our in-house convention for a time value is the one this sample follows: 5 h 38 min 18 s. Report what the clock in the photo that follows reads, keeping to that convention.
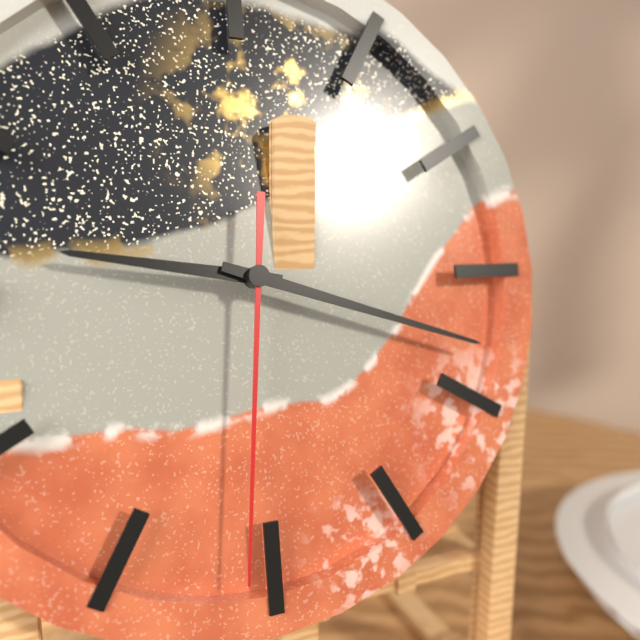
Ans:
9 h 18 min 31 s
